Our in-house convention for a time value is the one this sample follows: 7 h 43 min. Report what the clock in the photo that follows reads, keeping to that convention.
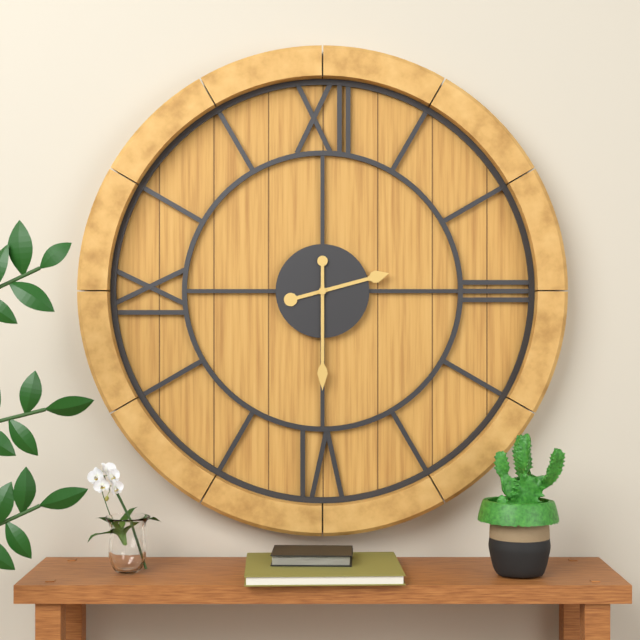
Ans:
2 h 30 min
